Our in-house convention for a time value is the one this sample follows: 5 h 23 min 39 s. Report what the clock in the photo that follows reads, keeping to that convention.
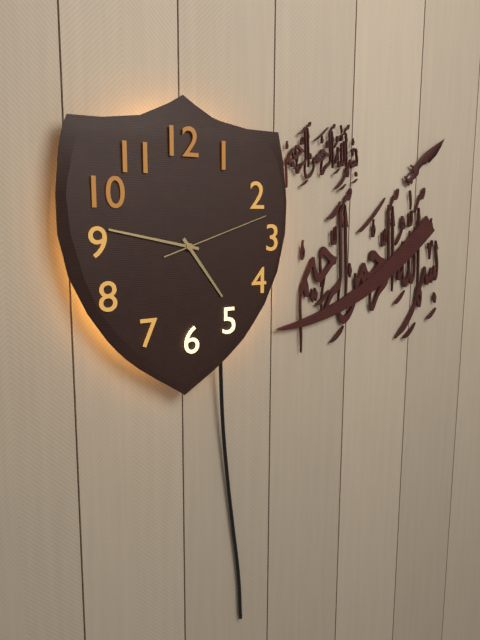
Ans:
4 h 47 min 12 s
